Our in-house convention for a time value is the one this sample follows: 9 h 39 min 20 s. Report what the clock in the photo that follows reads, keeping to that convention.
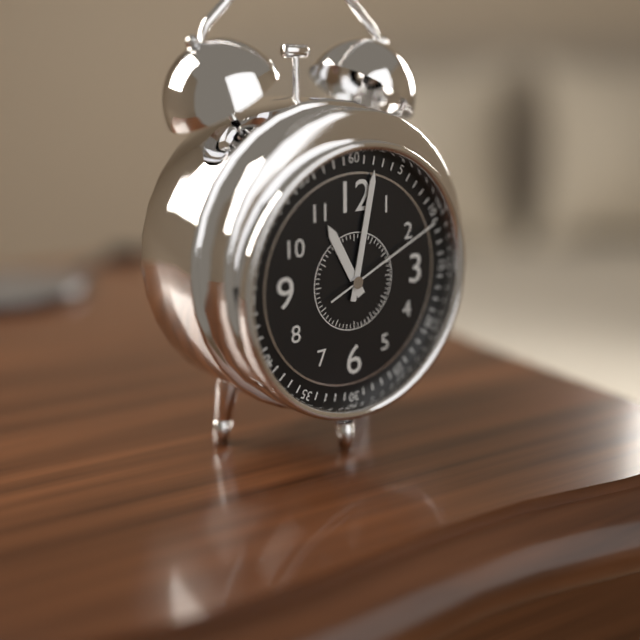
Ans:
11 h 02 min 11 s
